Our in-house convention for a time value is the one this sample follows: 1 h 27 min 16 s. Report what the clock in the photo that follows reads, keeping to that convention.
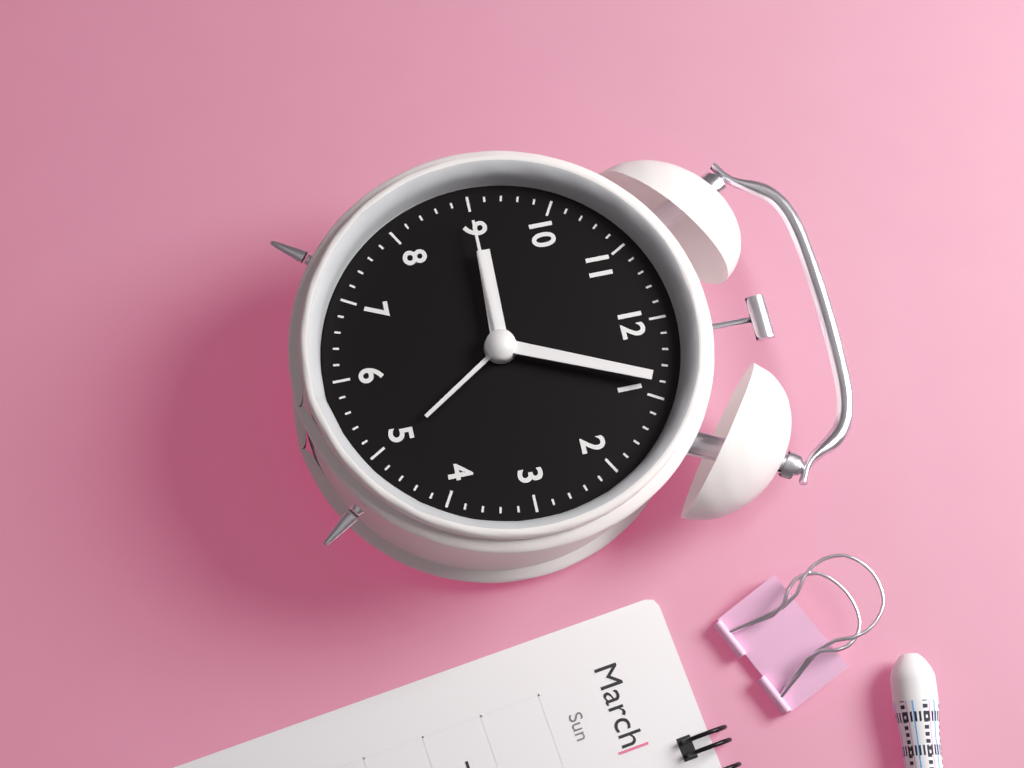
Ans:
9 h 04 min 45 s
